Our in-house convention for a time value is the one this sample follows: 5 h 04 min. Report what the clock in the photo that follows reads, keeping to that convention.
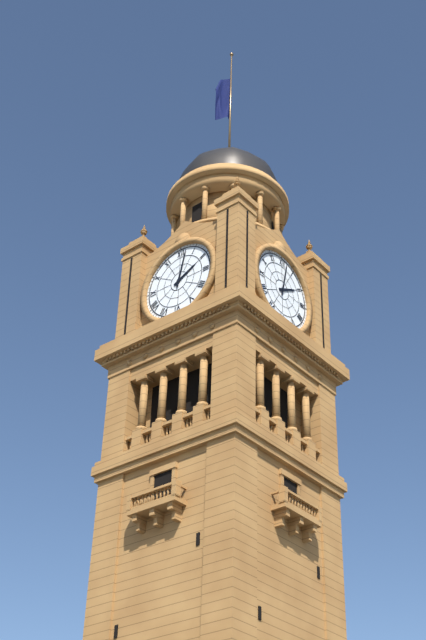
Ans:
2 h 02 min
